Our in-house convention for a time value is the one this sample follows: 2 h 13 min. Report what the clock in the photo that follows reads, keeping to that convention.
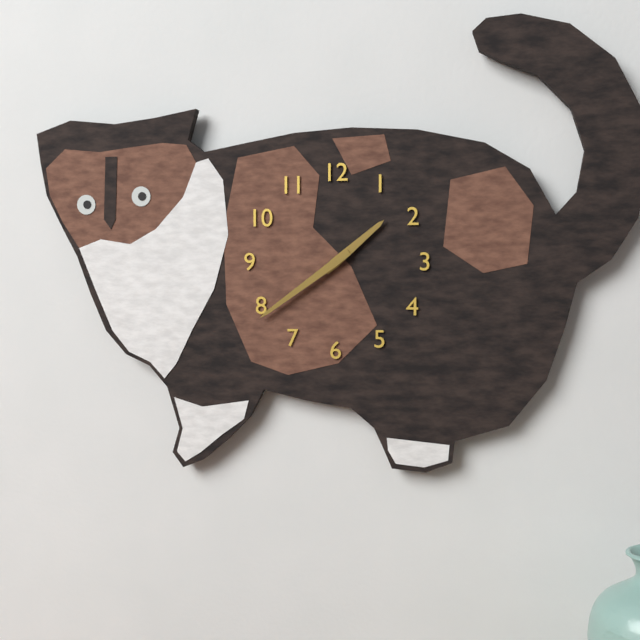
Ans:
1 h 39 min
